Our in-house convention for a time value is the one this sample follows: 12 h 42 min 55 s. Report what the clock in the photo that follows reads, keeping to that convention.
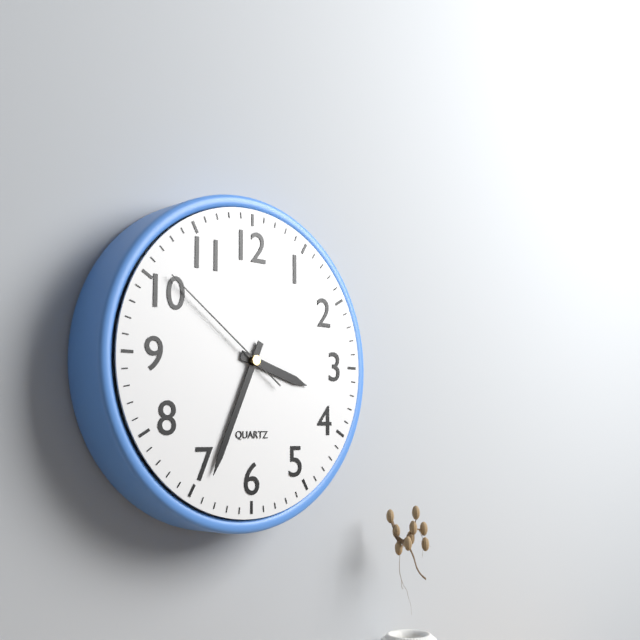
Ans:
3 h 34 min 51 s
